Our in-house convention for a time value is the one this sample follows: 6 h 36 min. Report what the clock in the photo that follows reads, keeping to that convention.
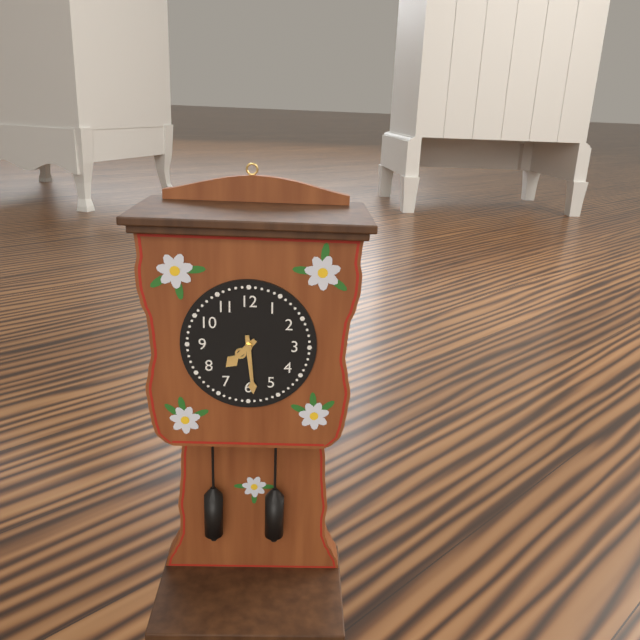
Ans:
7 h 29 min
